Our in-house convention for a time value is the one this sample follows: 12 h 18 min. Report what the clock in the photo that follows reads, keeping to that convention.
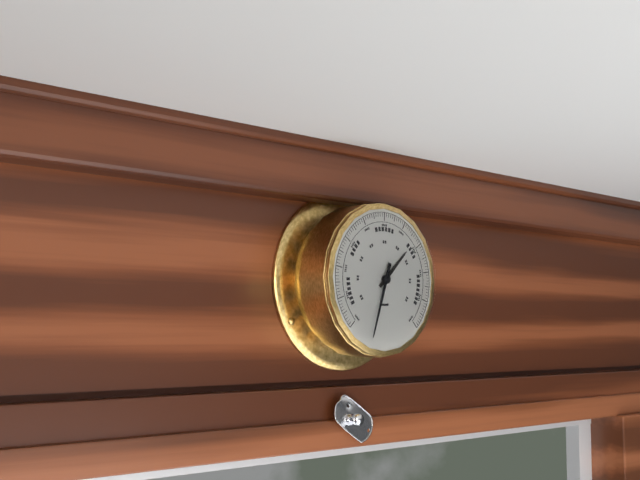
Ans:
1 h 33 min
